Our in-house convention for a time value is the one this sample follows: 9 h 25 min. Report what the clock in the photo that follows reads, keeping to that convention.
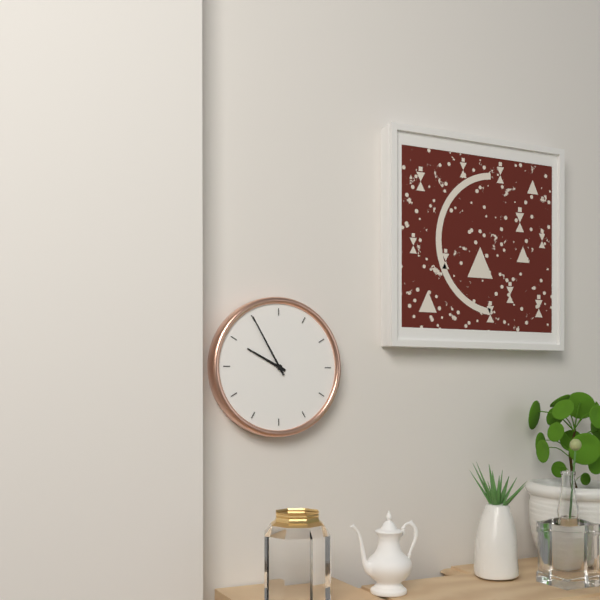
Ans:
9 h 55 min
